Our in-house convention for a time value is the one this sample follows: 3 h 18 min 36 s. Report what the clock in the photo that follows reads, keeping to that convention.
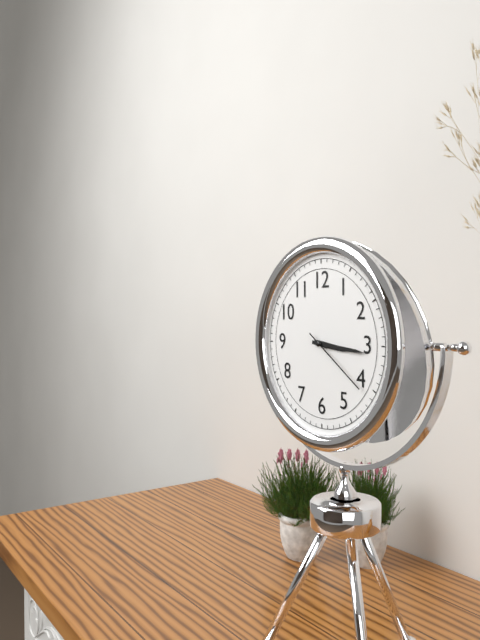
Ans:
3 h 16 min 21 s
